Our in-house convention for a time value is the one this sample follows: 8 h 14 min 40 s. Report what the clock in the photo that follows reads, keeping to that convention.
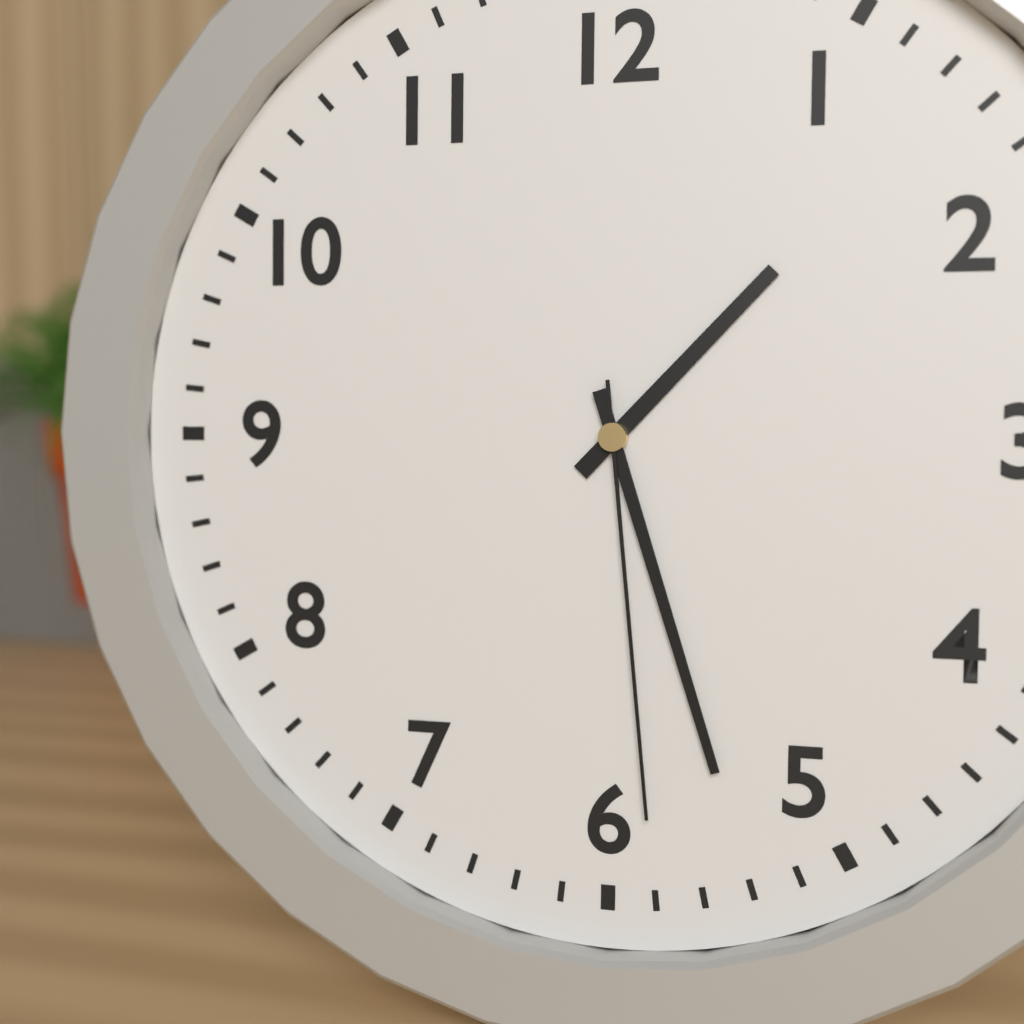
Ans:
1 h 27 min 29 s
